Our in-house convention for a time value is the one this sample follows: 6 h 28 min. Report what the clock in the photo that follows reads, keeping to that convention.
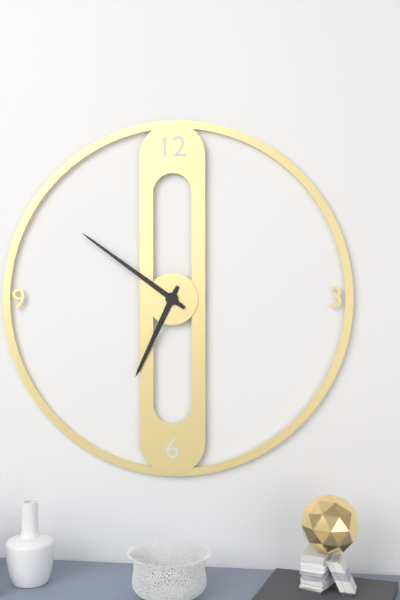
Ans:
6 h 51 min
